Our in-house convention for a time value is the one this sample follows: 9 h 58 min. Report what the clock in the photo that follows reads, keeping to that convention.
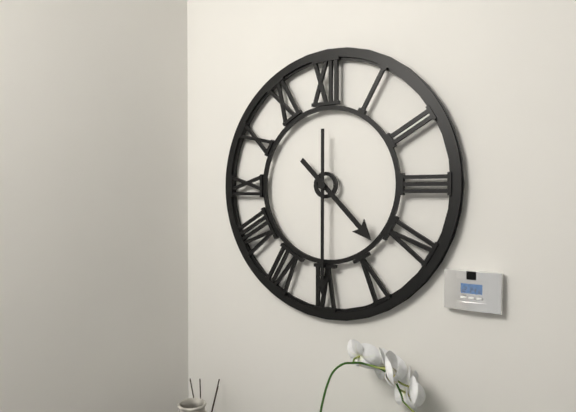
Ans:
4 h 30 min
